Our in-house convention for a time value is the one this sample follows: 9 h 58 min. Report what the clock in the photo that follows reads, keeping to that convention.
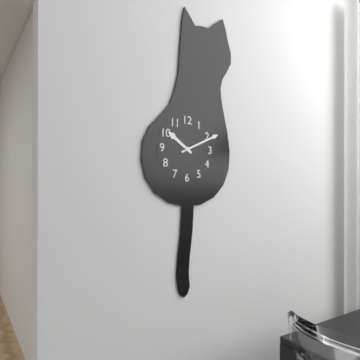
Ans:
10 h 11 min
